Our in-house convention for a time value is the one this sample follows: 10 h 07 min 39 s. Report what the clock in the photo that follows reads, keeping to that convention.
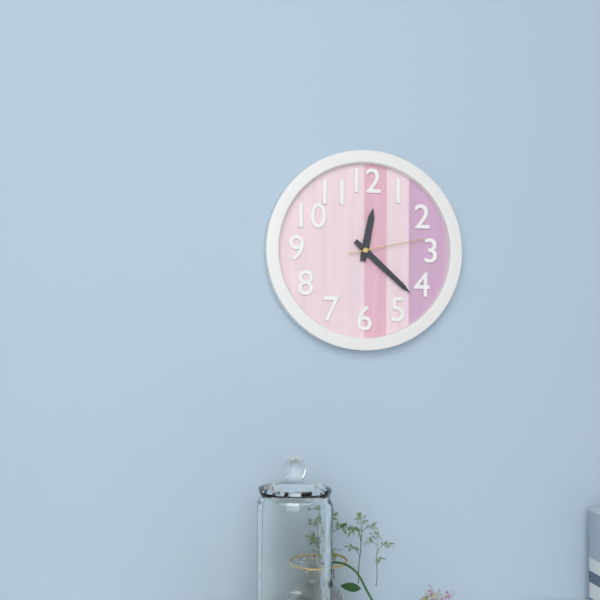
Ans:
12 h 22 min 13 s
